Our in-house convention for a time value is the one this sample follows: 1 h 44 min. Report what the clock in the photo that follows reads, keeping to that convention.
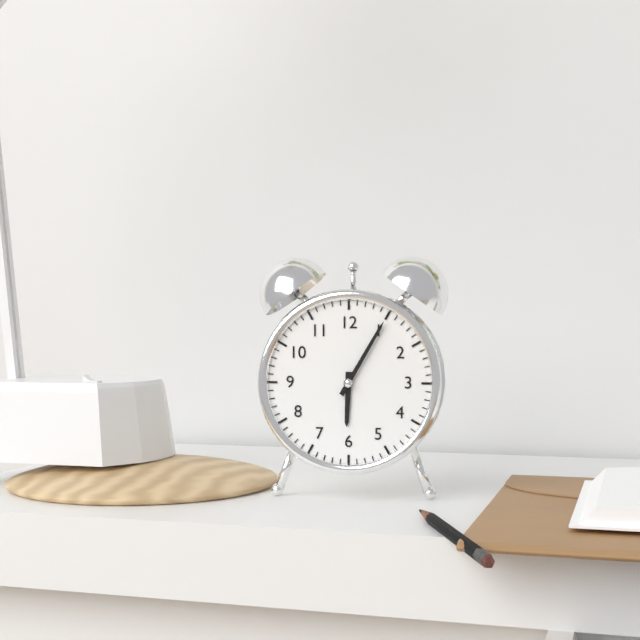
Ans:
6 h 05 min
